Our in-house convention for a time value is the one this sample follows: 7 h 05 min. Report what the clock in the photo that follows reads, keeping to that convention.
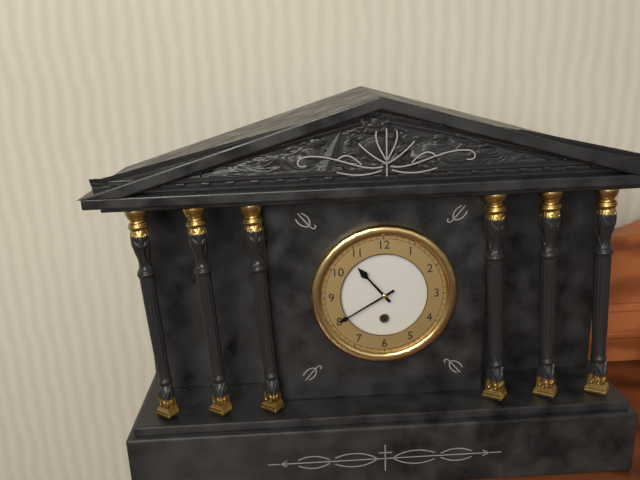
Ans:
10 h 40 min
